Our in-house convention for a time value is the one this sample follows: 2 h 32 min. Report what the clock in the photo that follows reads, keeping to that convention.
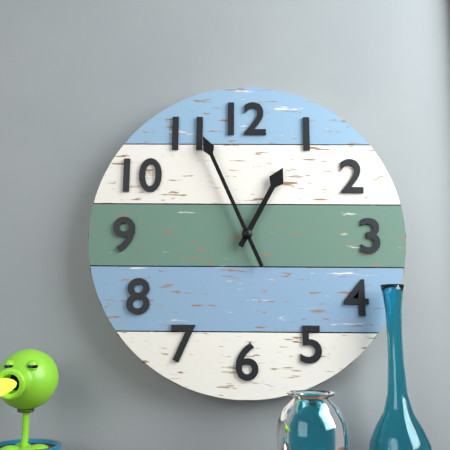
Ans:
12 h 56 min
